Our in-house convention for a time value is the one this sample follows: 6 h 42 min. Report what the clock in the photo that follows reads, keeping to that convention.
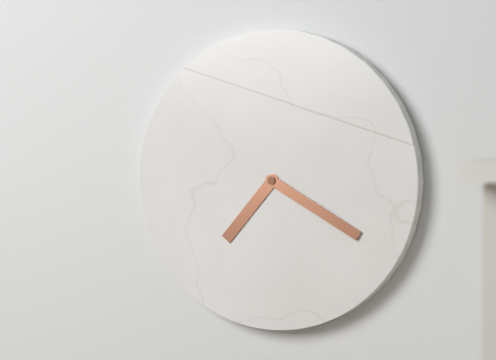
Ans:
7 h 20 min
